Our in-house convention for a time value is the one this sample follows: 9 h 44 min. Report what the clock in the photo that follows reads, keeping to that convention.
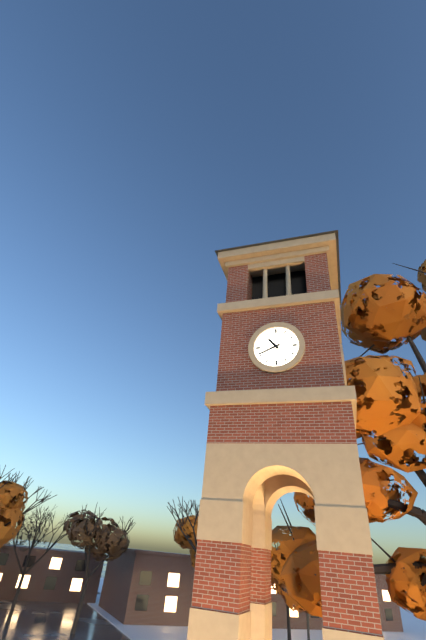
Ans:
10 h 41 min
